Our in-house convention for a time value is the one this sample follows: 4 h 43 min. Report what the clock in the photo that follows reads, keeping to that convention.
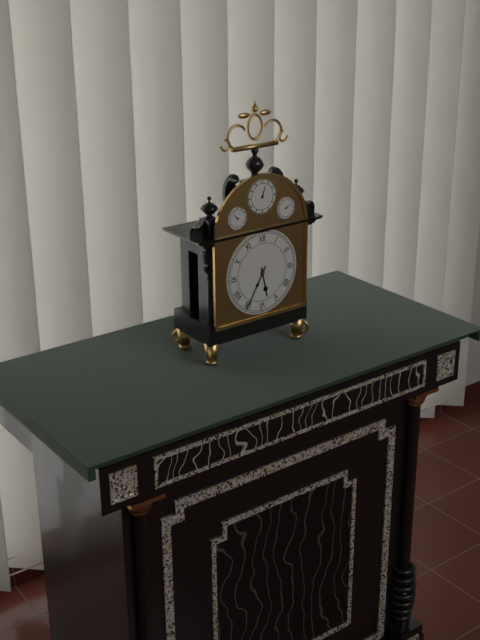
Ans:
5 h 35 min
